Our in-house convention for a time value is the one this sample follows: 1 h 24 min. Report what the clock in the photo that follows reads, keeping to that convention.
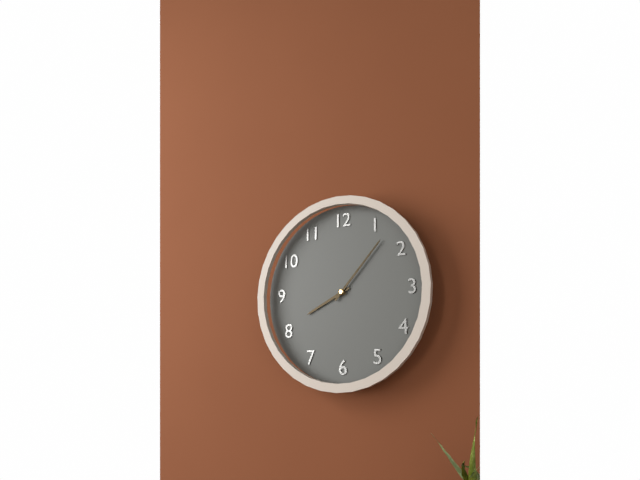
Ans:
8 h 07 min
